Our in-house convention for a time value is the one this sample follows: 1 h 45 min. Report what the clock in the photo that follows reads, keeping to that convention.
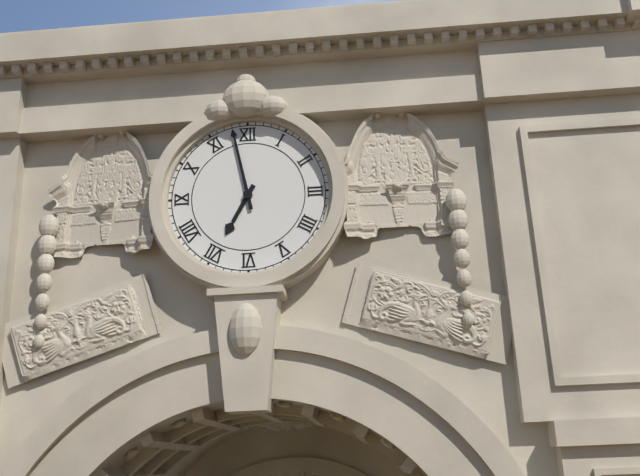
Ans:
6 h 58 min
